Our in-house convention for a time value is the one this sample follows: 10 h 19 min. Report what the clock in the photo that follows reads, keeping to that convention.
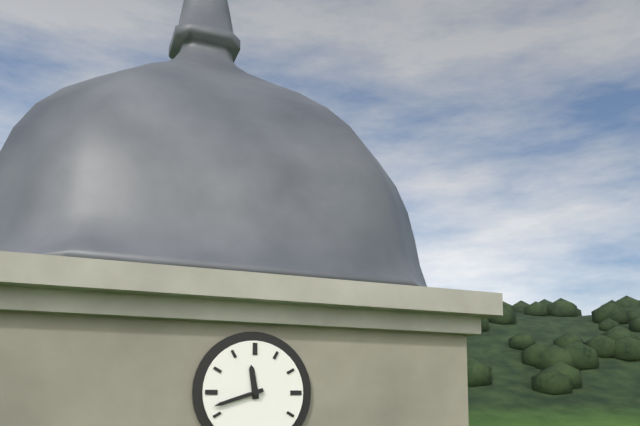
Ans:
11 h 42 min
